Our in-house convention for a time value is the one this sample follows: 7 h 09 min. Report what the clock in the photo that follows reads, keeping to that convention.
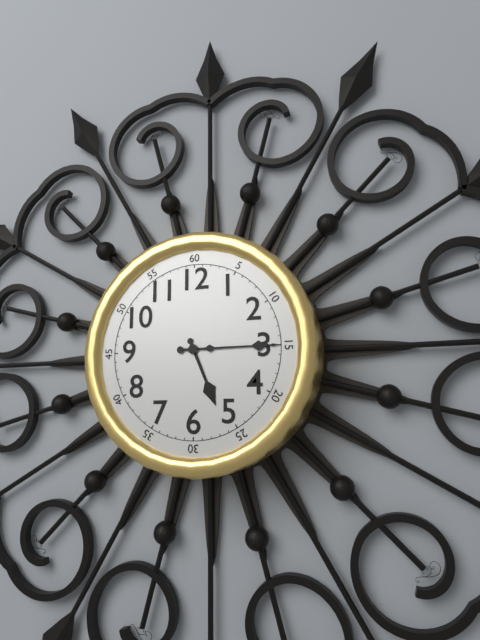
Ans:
5 h 15 min
